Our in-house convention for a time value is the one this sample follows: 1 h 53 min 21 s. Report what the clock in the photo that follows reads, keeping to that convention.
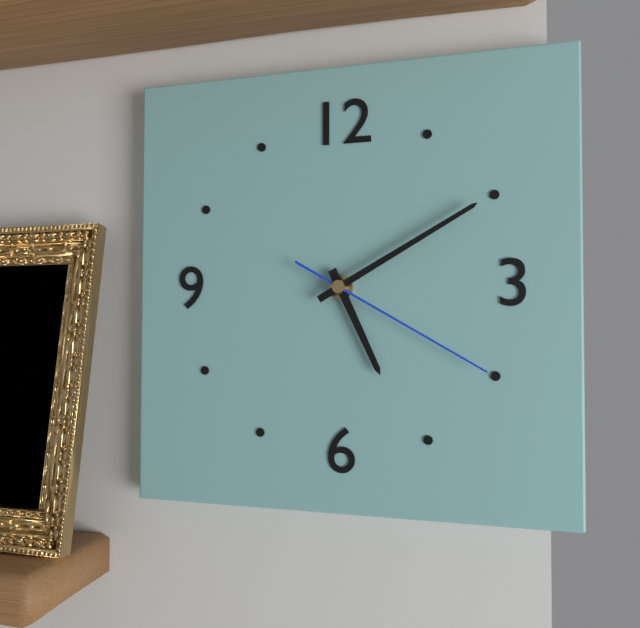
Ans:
5 h 10 min 20 s
